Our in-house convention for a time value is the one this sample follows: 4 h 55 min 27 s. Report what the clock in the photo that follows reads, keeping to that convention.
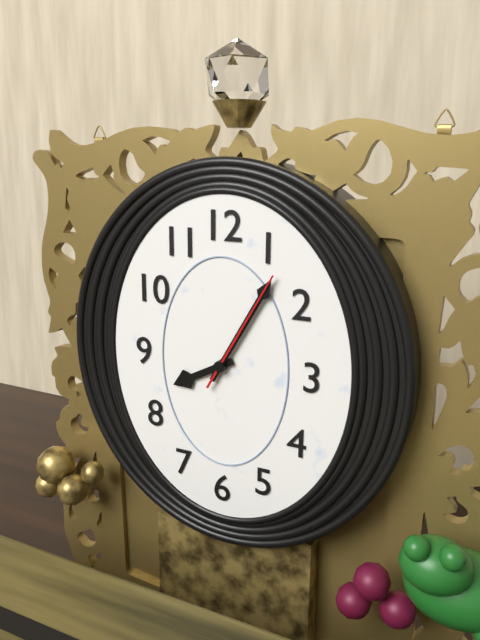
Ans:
8 h 05 min 05 s
